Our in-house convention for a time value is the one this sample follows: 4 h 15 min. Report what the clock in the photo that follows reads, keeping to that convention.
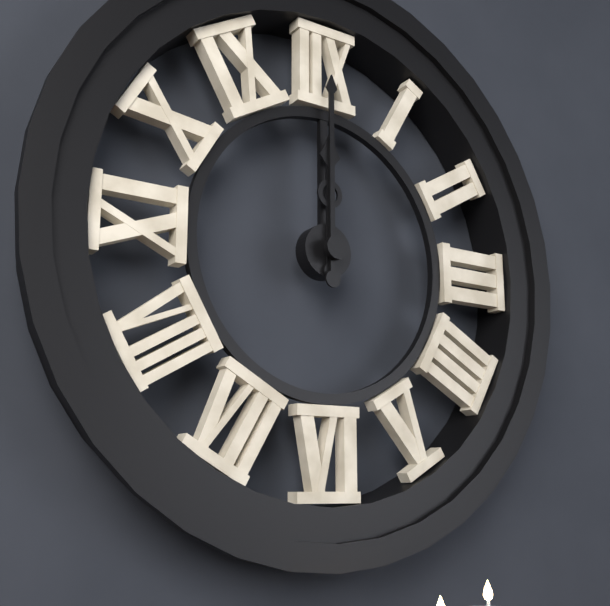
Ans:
12 h 00 min
